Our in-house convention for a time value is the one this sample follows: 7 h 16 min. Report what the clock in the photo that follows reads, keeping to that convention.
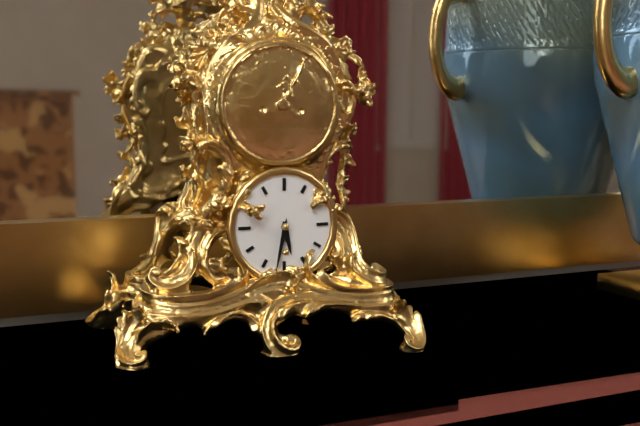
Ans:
5 h 32 min
